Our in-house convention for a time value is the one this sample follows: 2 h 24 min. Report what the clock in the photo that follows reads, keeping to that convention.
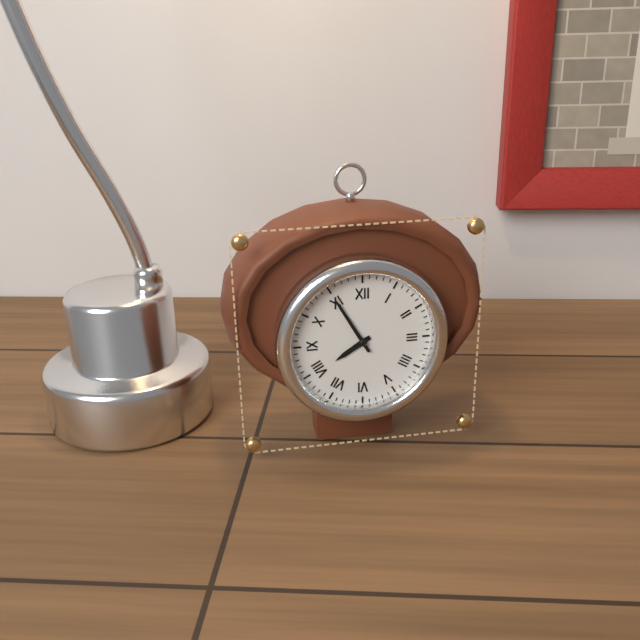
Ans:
7 h 55 min
